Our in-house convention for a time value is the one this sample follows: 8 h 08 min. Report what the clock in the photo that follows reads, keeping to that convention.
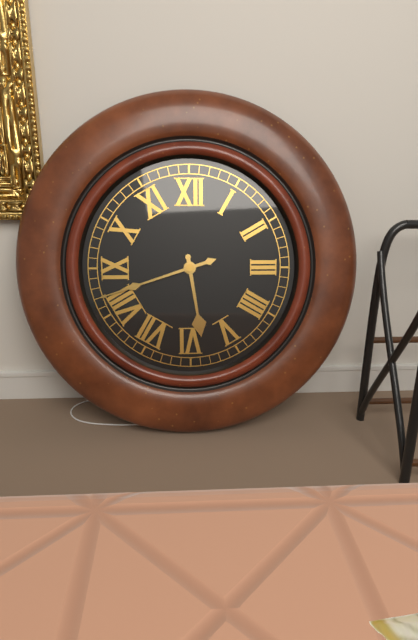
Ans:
5 h 42 min
